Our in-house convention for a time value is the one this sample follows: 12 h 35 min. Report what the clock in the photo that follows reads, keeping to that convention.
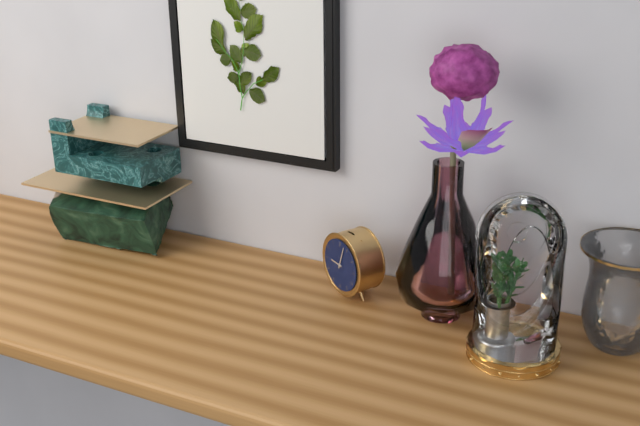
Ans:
9 h 03 min
